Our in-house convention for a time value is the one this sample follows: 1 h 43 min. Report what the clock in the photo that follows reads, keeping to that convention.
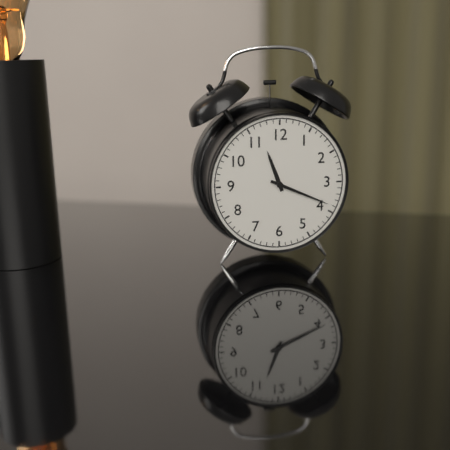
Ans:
11 h 19 min
